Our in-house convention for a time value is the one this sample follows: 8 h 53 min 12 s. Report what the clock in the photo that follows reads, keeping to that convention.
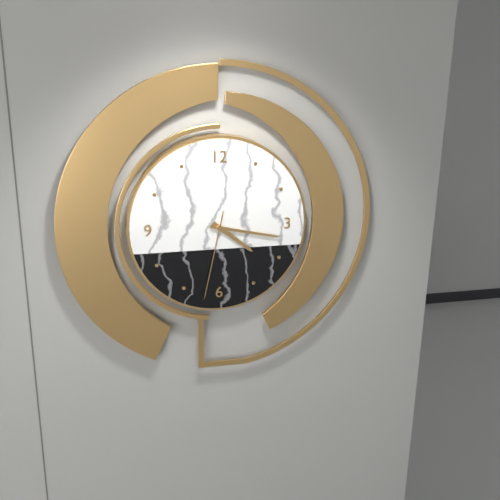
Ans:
4 h 17 min 32 s
